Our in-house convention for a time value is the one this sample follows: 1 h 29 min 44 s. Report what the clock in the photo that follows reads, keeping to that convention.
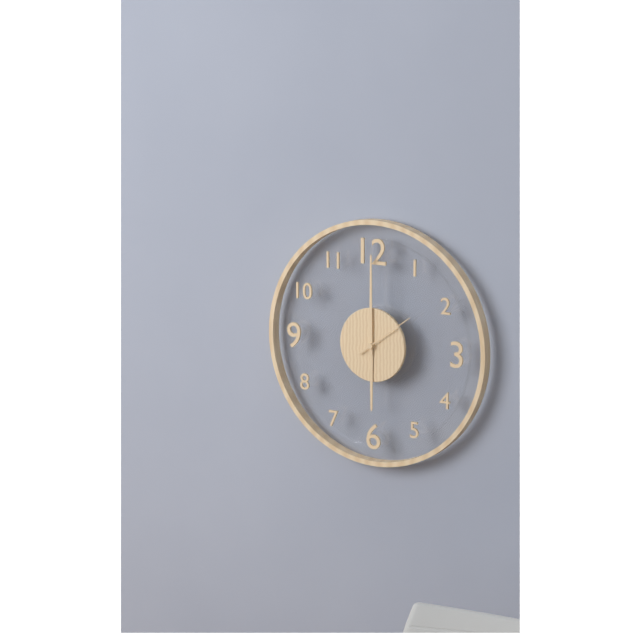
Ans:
6 h 00 min 09 s
